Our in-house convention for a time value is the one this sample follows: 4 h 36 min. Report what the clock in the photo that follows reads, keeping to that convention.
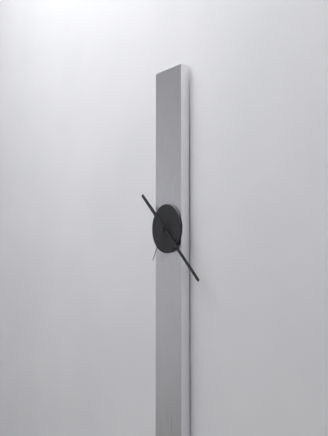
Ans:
10 h 22 min
